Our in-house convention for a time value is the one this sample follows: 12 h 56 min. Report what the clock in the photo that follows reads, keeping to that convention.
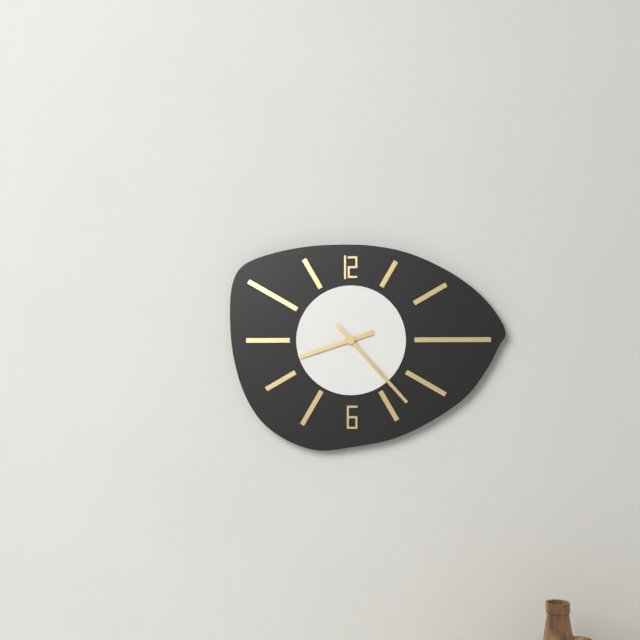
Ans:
8 h 23 min
